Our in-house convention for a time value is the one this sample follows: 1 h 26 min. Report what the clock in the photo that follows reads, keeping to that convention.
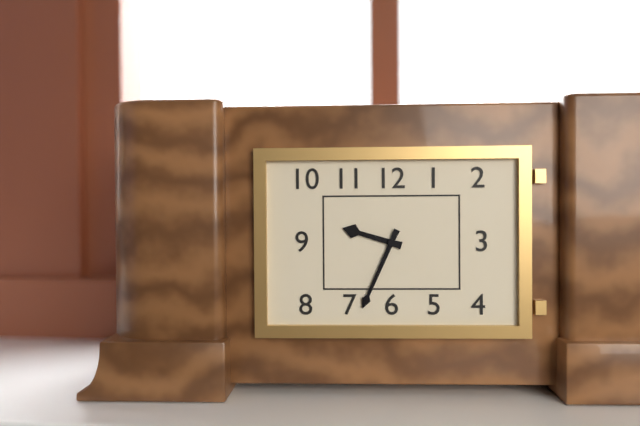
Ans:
9 h 34 min
